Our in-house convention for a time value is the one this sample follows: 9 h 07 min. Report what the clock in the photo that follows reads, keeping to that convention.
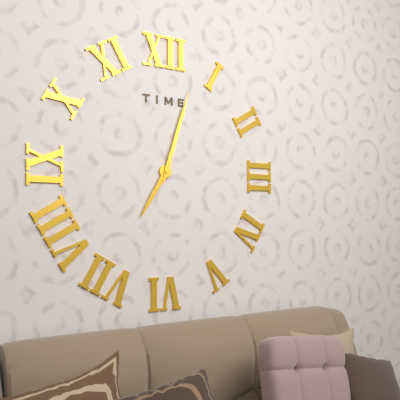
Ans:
7 h 03 min
